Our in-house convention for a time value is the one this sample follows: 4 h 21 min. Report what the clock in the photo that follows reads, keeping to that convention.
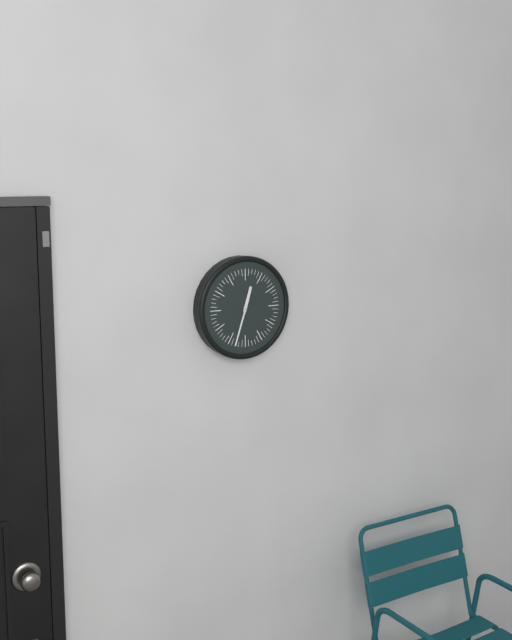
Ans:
12 h 33 min
